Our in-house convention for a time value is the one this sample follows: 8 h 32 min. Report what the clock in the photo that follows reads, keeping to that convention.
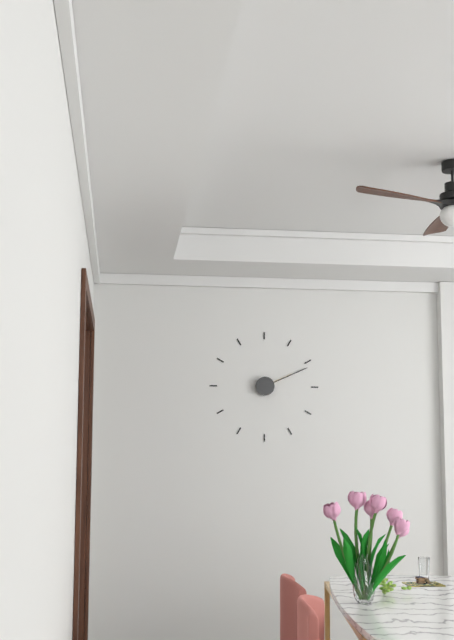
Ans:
2 h 11 min
